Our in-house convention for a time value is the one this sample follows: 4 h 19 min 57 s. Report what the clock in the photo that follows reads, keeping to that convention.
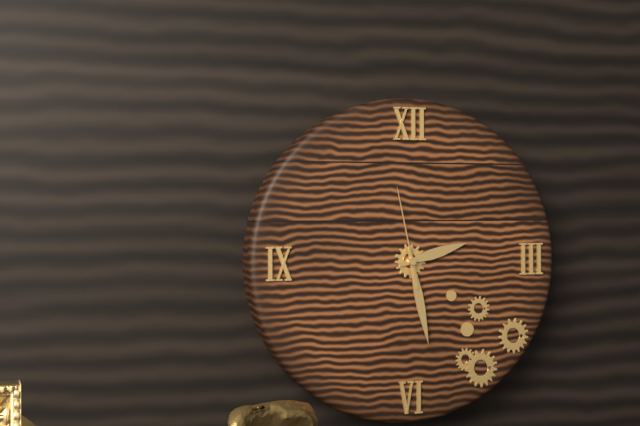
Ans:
2 h 28 min 58 s
